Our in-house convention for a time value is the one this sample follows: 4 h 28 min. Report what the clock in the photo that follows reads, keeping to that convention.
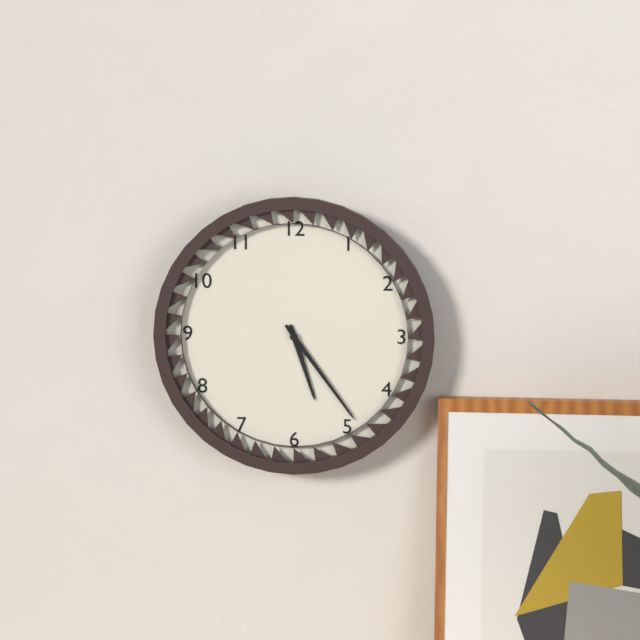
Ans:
5 h 24 min
